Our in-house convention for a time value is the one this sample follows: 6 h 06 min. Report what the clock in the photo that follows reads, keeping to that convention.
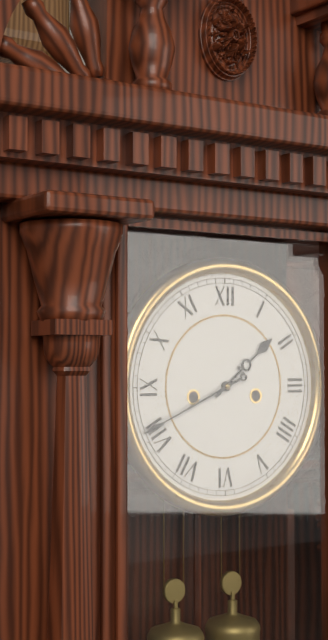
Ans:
1 h 41 min
